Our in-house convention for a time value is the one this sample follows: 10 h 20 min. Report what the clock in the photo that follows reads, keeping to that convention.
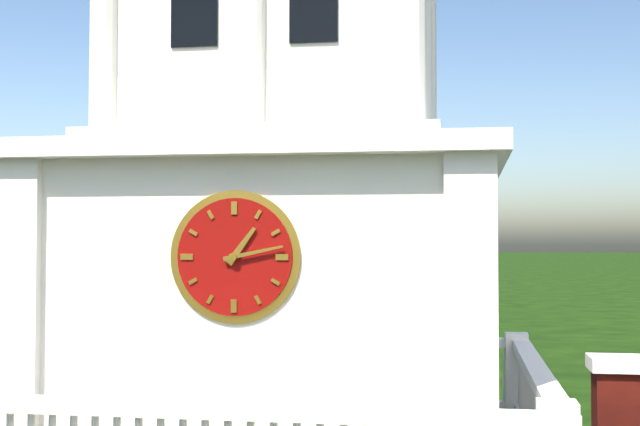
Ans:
1 h 13 min
